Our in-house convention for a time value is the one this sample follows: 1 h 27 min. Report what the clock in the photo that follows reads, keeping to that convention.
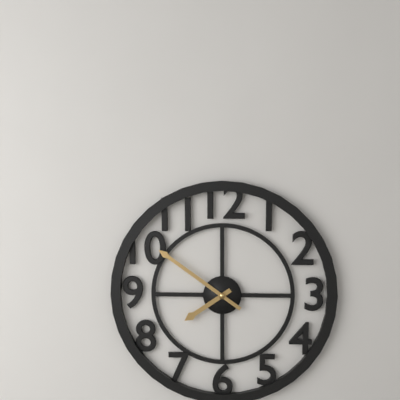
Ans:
7 h 51 min
